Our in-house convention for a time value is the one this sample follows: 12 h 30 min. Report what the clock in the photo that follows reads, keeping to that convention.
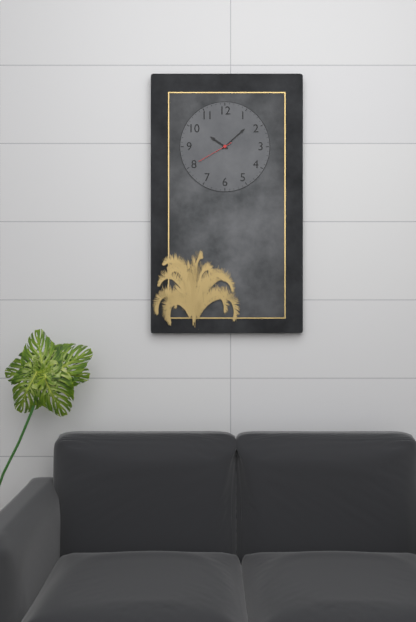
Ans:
10 h 08 min
